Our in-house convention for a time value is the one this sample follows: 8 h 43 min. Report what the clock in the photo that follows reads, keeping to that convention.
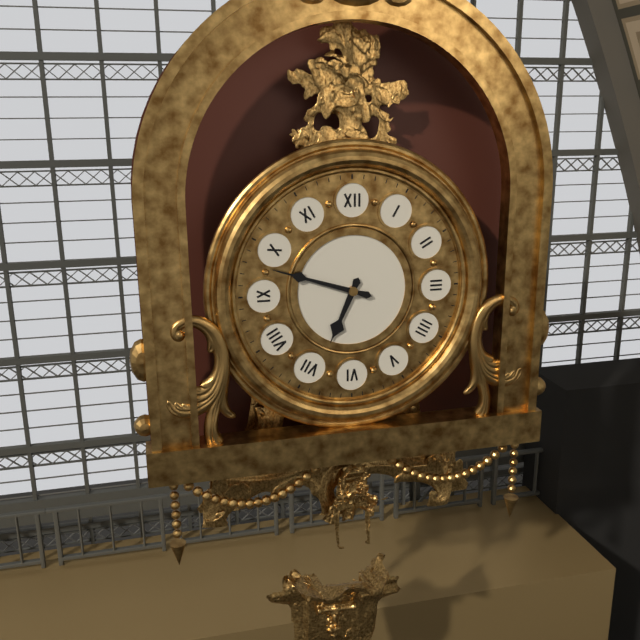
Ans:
6 h 48 min
